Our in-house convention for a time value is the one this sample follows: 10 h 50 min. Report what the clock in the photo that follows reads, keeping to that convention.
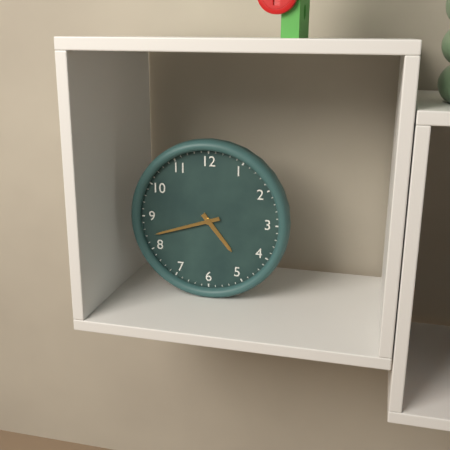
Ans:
4 h 42 min
